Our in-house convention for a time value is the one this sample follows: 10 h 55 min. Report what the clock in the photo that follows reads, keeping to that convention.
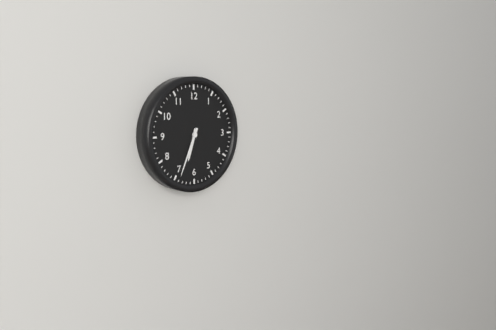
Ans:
6 h 34 min
